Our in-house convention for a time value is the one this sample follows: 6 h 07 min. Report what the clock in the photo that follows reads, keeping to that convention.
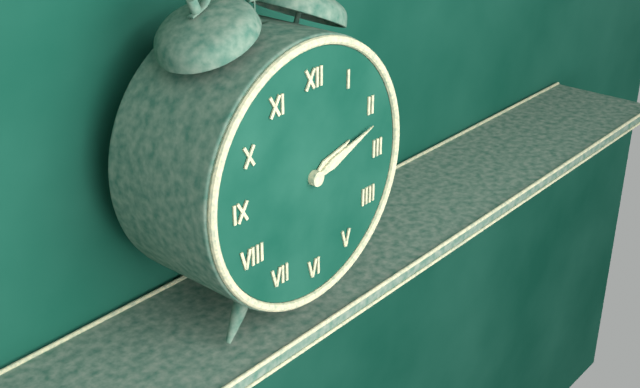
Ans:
2 h 12 min
